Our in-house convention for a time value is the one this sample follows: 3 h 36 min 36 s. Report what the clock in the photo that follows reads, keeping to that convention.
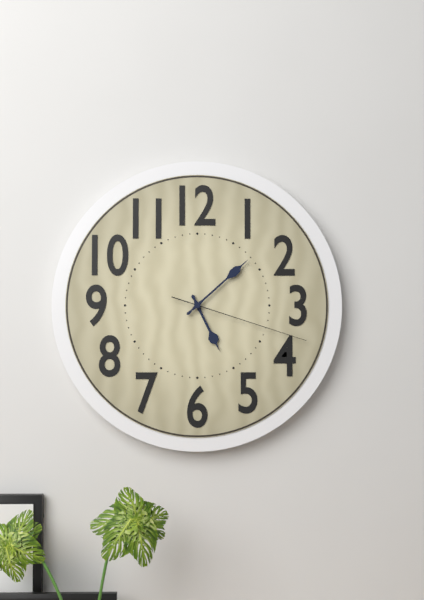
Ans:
5 h 08 min 18 s
